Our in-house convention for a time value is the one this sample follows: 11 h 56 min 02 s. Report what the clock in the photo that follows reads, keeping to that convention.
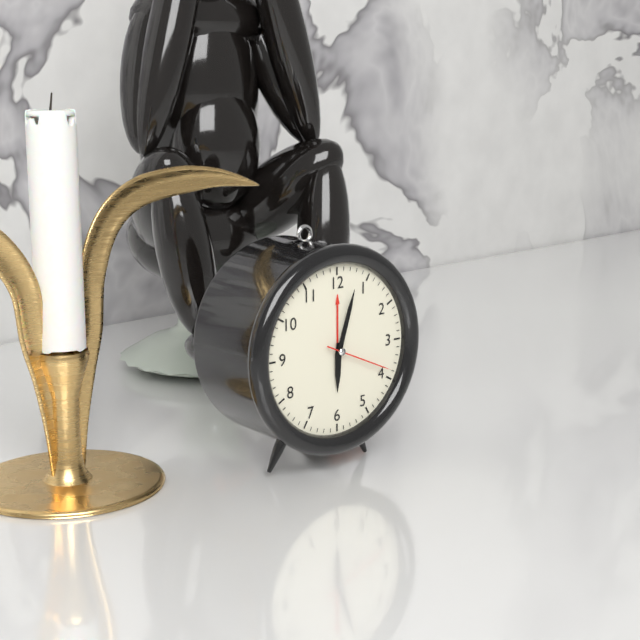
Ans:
6 h 03 min 19 s
